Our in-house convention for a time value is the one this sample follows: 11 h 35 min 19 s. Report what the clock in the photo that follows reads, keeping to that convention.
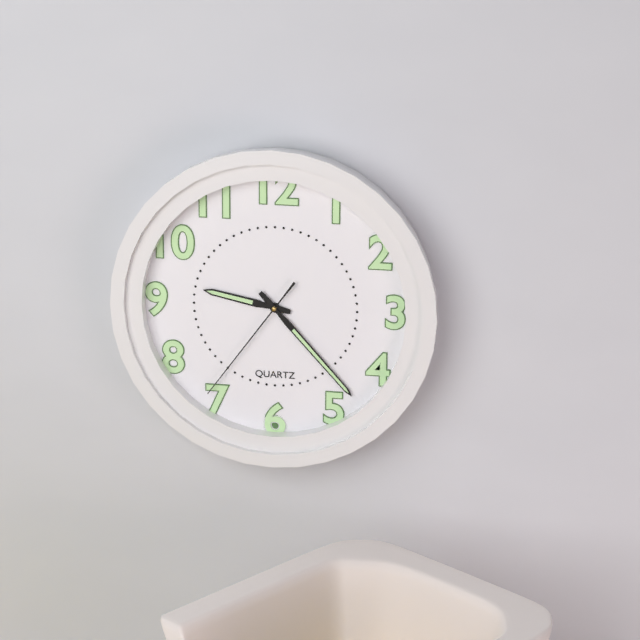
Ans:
9 h 23 min 36 s
